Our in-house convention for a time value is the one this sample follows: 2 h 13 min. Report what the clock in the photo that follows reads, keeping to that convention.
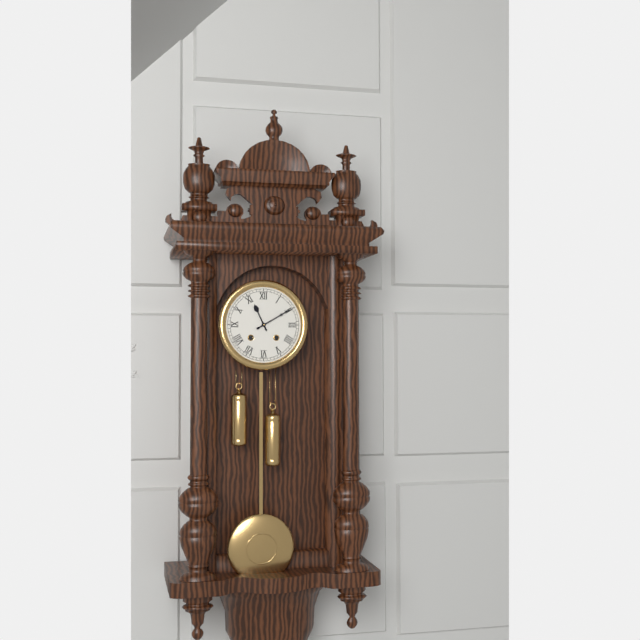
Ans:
11 h 10 min
